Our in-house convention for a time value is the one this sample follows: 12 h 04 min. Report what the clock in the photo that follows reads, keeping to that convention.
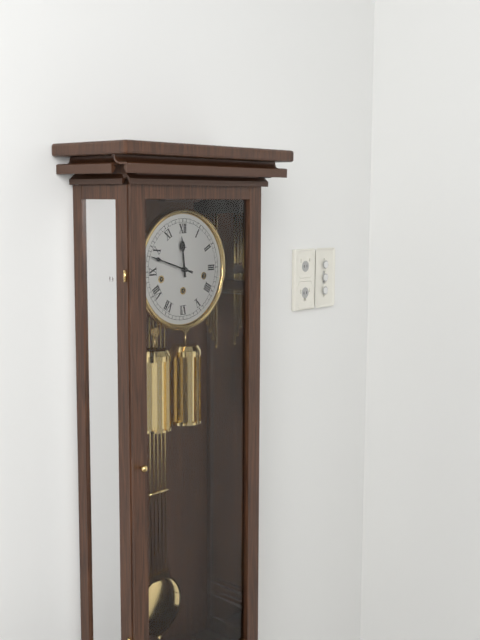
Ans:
11 h 48 min
